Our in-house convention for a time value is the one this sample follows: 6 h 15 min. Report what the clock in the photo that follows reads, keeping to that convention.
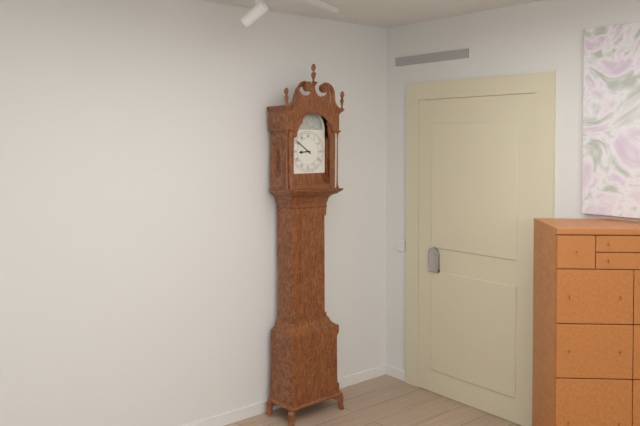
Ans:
8 h 51 min
